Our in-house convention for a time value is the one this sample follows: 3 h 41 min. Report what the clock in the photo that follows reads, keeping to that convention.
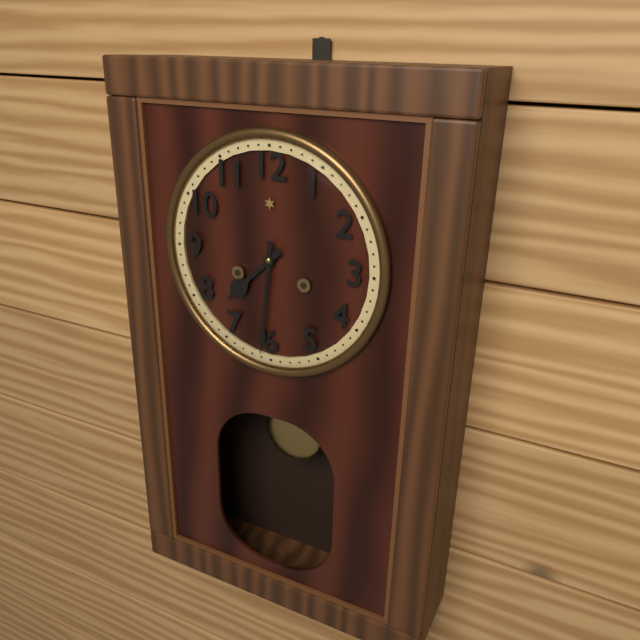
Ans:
7 h 31 min
